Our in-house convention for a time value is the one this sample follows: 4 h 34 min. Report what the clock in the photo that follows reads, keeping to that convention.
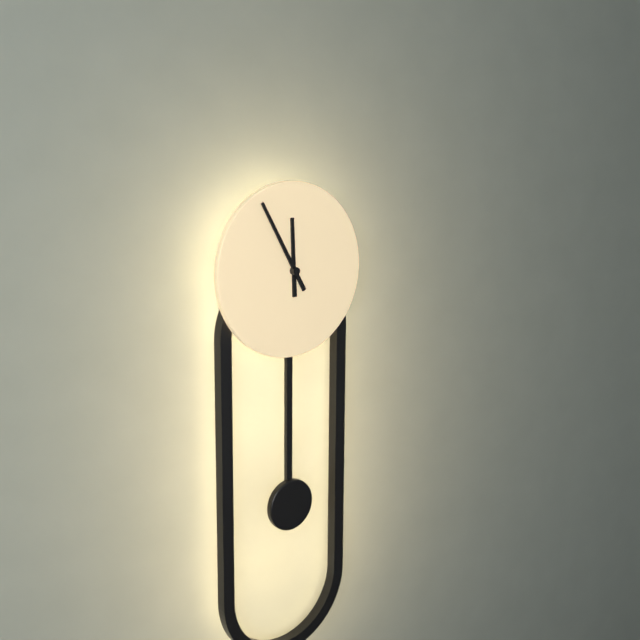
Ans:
11 h 55 min
